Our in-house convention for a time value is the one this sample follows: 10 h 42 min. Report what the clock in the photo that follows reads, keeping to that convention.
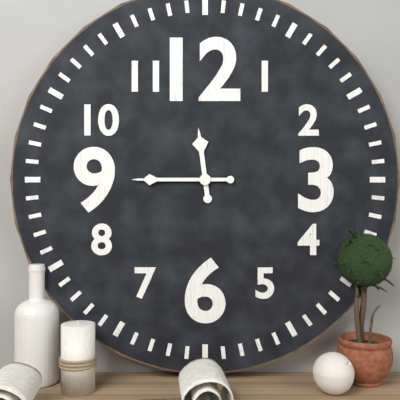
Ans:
11 h 45 min
